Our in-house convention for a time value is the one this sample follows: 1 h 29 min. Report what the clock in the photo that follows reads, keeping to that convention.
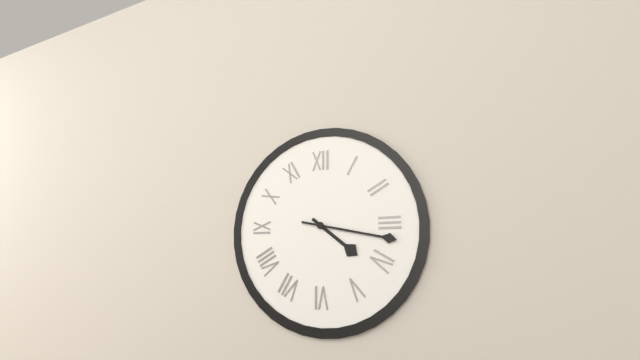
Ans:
4 h 17 min
